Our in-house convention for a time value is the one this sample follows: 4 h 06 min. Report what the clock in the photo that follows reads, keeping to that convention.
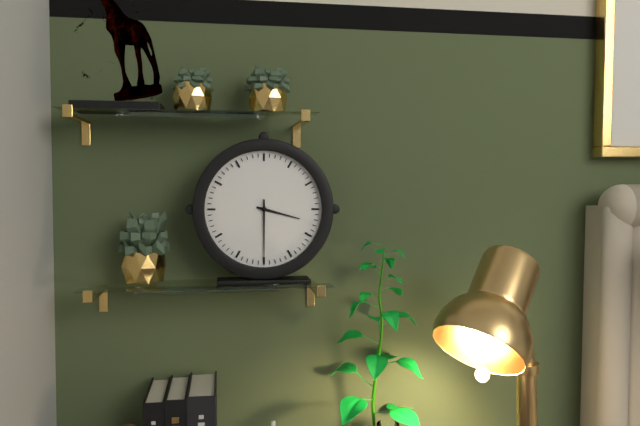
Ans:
3 h 30 min
